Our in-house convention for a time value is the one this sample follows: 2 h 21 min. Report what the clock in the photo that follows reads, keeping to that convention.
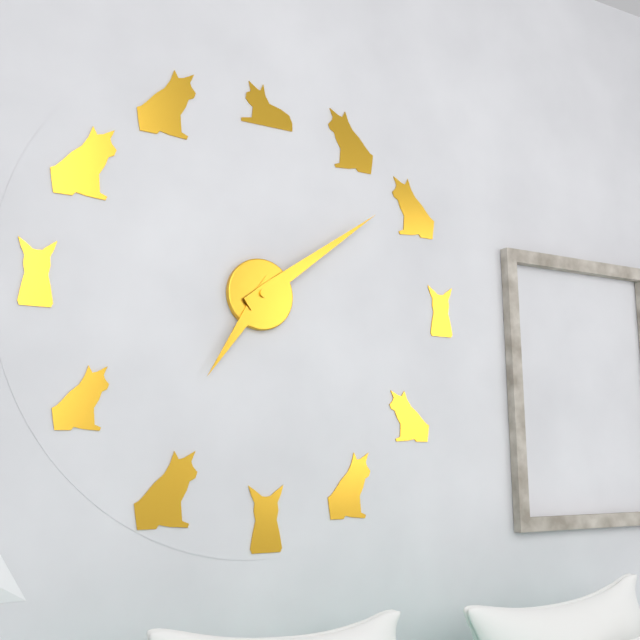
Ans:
7 h 09 min
